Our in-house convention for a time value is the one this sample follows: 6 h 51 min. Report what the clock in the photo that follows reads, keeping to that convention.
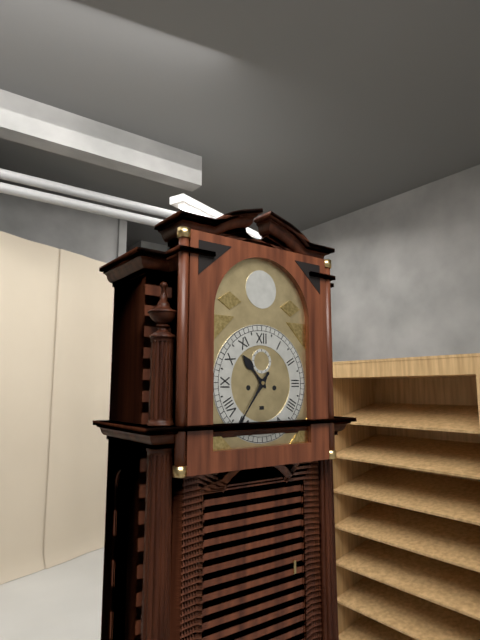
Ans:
10 h 36 min
